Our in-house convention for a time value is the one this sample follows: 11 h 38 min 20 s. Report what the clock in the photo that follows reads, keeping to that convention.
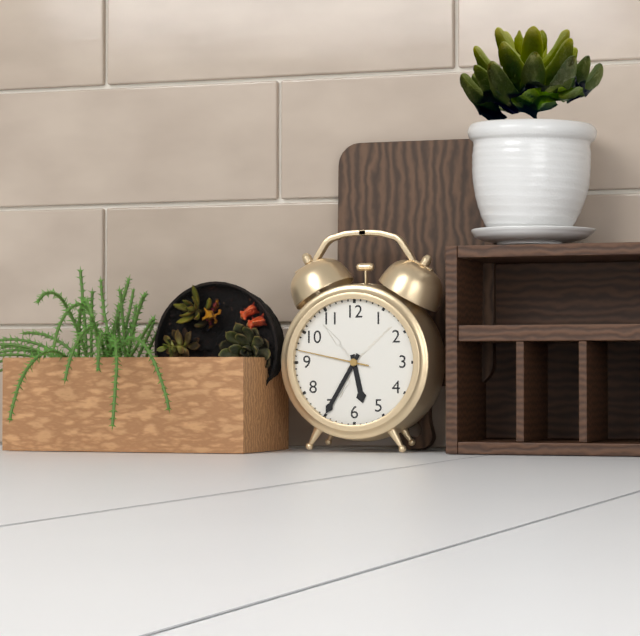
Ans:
5 h 35 min 47 s
